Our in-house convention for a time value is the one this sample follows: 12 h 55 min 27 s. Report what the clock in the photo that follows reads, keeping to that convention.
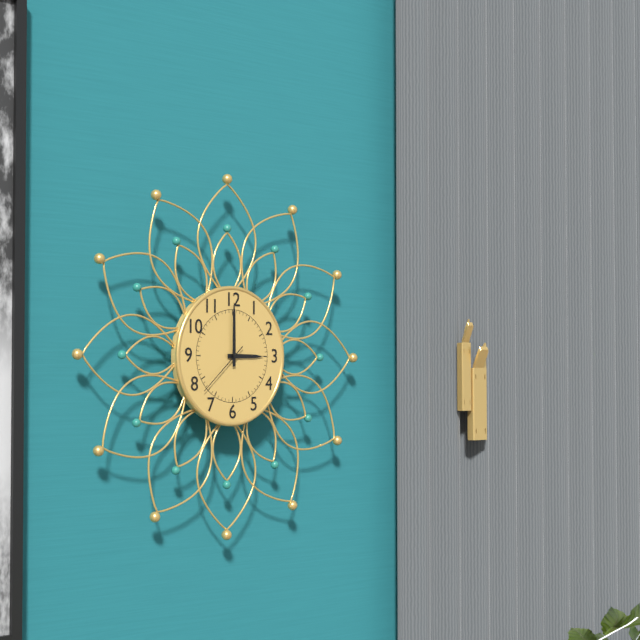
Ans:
3 h 00 min 38 s
